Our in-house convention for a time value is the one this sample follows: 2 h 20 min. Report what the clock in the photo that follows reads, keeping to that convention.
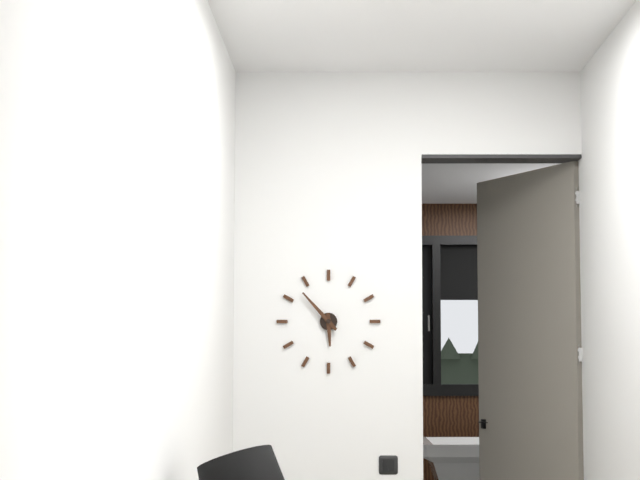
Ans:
5 h 53 min
